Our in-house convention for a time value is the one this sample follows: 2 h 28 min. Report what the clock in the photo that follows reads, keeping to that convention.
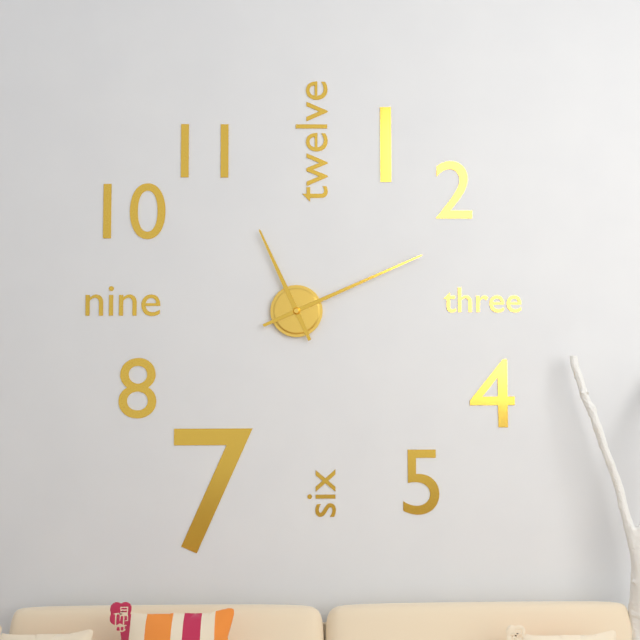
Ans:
11 h 11 min
